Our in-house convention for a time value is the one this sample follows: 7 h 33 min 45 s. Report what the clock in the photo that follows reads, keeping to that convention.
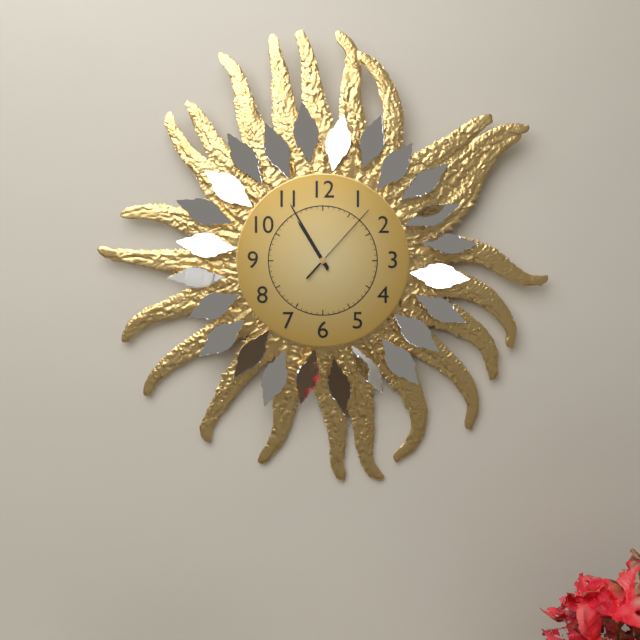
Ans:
10 h 55 min 07 s
